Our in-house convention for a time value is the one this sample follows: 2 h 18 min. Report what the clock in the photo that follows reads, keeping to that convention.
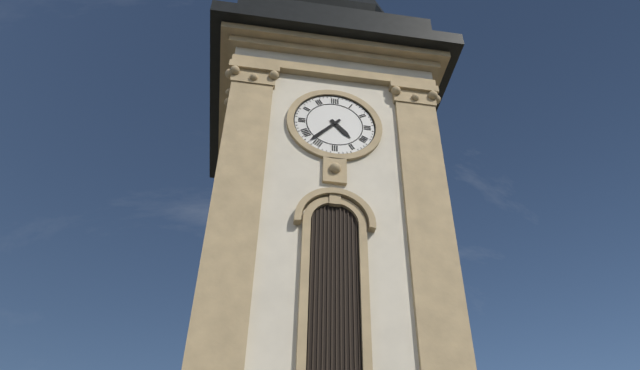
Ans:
4 h 37 min
